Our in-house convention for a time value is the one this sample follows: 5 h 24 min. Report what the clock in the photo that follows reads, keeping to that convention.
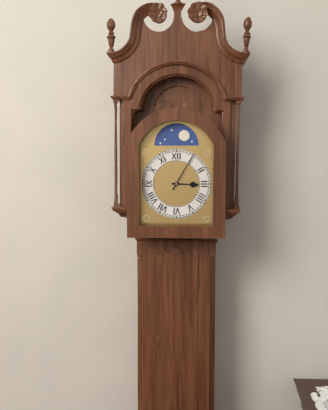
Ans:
3 h 05 min
